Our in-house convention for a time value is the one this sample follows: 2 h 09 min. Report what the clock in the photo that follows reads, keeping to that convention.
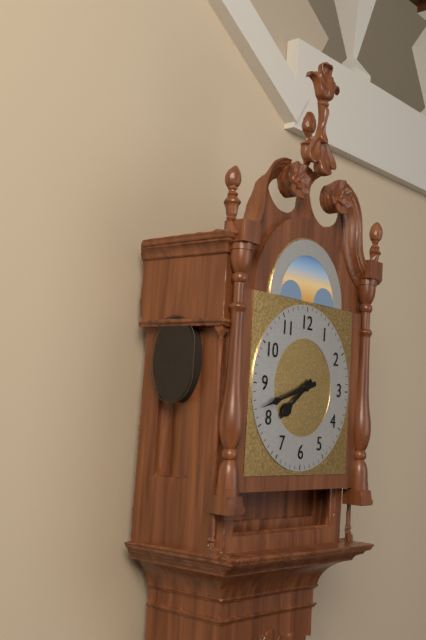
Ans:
7 h 42 min
